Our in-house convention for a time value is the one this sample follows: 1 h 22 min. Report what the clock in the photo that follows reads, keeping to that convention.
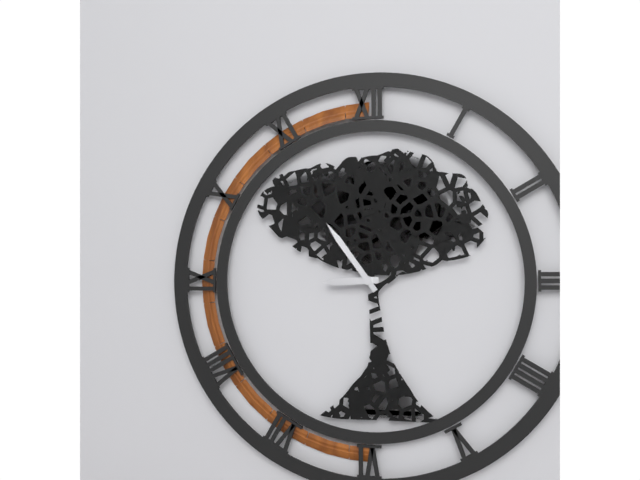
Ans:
8 h 54 min
